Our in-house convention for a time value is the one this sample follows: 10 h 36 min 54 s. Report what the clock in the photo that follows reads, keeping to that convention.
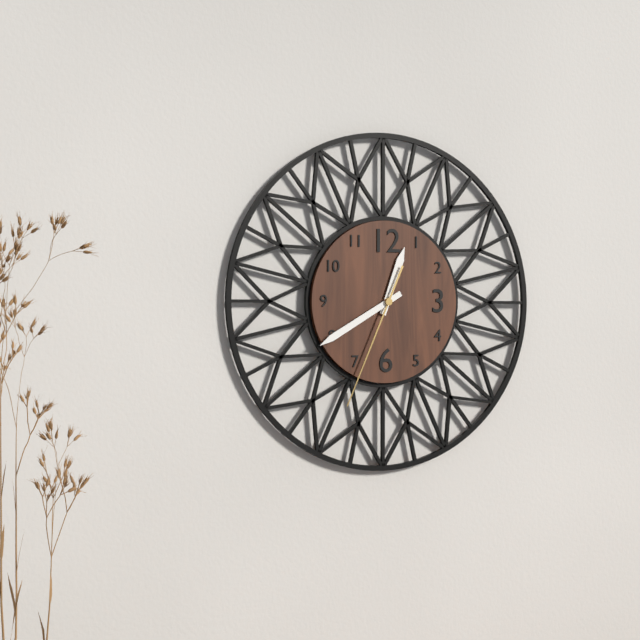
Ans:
12 h 40 min 34 s
